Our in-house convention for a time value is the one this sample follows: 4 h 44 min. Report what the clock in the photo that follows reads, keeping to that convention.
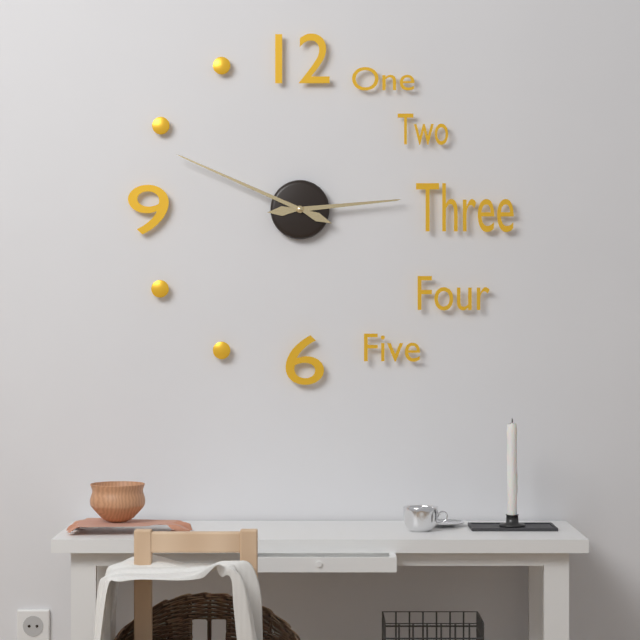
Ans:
2 h 49 min
